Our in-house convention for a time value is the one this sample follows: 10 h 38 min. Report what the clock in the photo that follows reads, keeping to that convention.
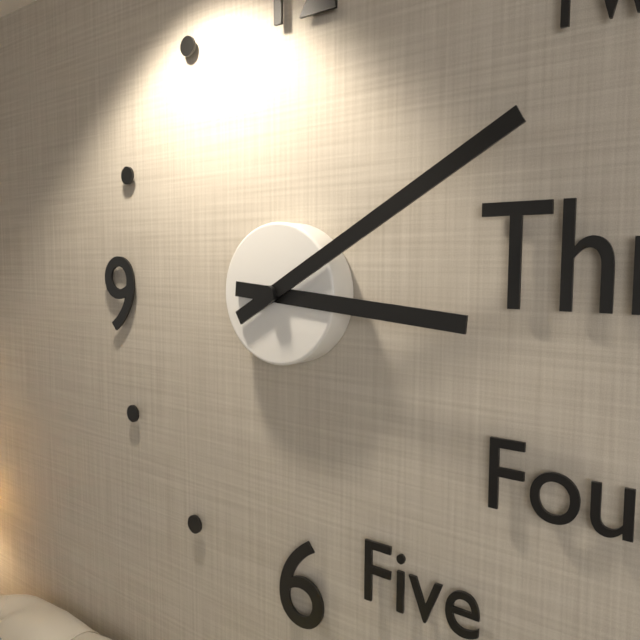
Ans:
3 h 10 min
